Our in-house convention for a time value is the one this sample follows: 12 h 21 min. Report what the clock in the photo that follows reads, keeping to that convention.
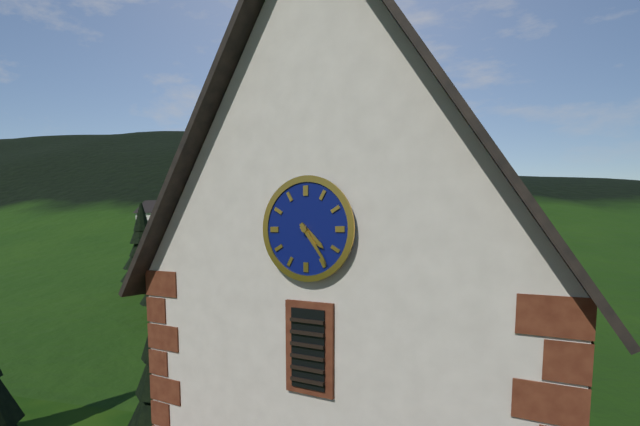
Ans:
4 h 24 min
